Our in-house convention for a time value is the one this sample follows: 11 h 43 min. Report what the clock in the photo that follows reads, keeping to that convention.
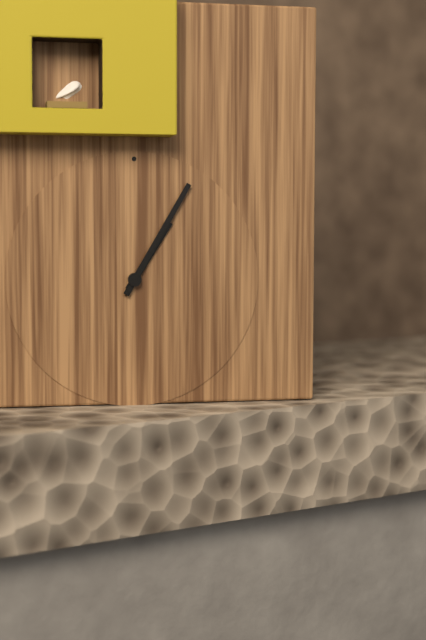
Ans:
1 h 05 min
